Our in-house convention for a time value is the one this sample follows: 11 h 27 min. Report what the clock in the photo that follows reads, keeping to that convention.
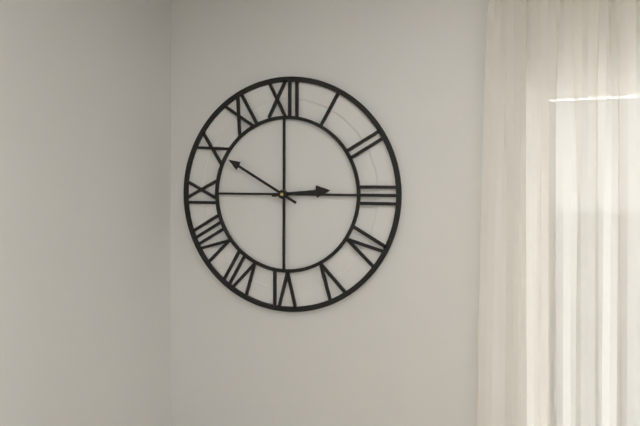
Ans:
2 h 50 min
